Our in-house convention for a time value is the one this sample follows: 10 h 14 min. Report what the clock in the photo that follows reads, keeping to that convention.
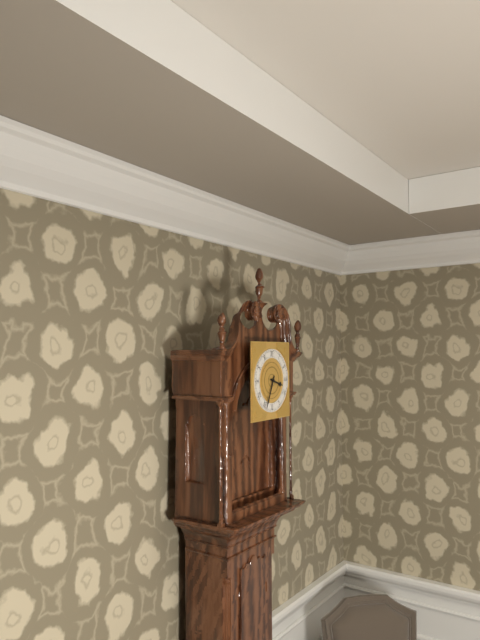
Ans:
3 h 34 min
